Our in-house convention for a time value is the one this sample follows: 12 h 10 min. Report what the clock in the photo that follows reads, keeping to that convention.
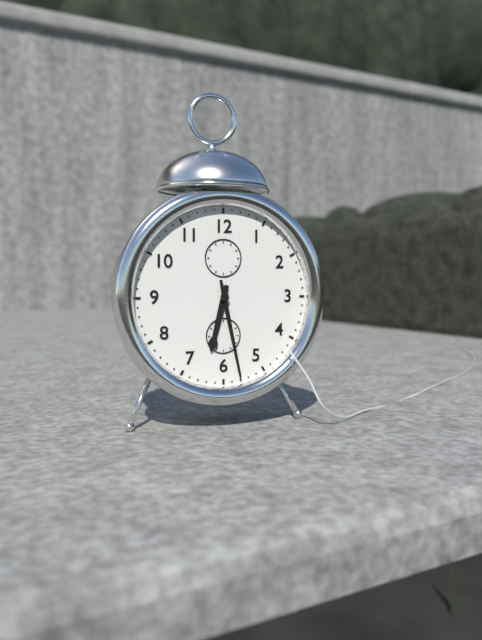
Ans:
6 h 28 min
